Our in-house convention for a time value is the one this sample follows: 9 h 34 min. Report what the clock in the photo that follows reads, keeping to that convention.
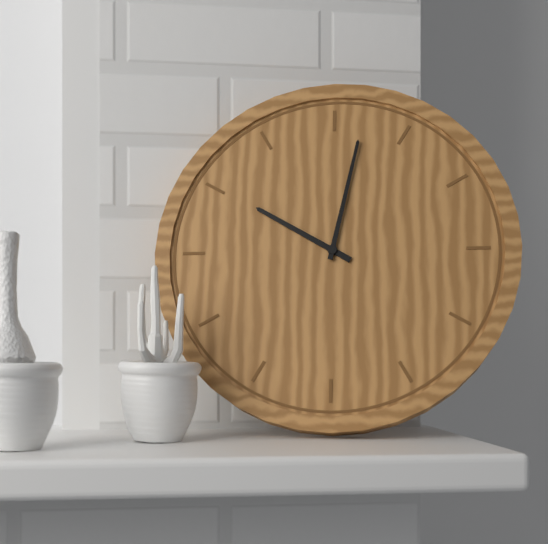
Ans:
10 h 02 min
